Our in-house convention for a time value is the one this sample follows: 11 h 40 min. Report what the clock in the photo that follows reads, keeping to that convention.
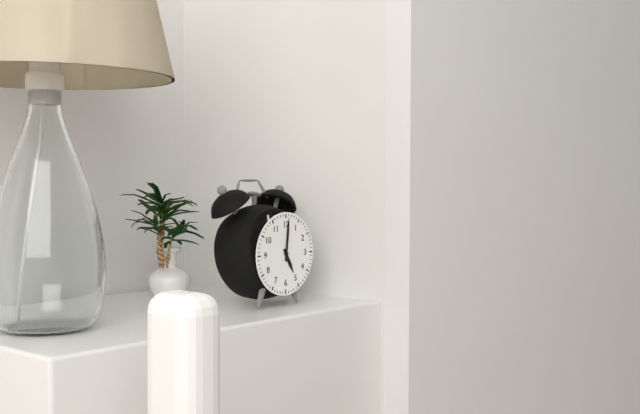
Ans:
5 h 01 min
